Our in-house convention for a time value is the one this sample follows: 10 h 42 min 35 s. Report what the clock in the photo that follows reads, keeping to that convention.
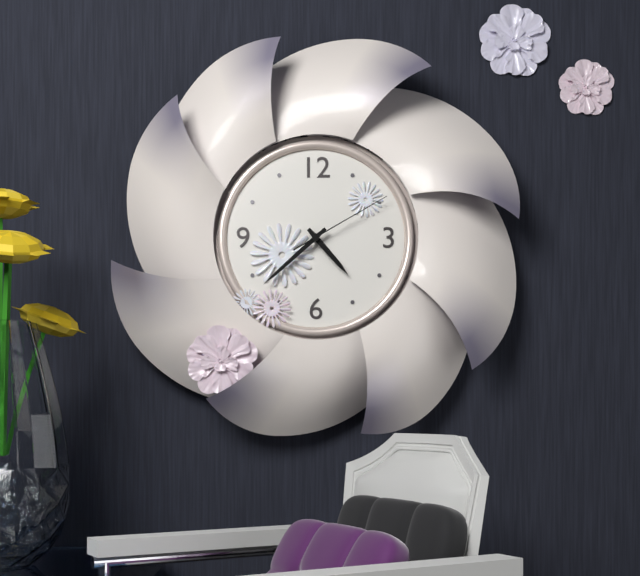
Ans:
4 h 38 min 10 s
